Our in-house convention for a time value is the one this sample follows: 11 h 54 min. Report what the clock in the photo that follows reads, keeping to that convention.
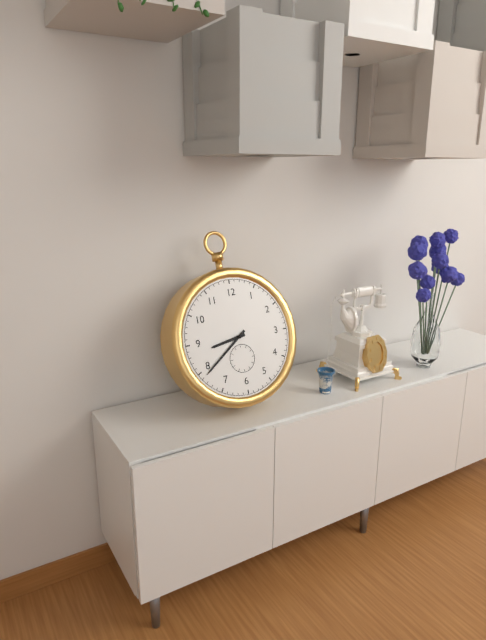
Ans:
8 h 39 min
